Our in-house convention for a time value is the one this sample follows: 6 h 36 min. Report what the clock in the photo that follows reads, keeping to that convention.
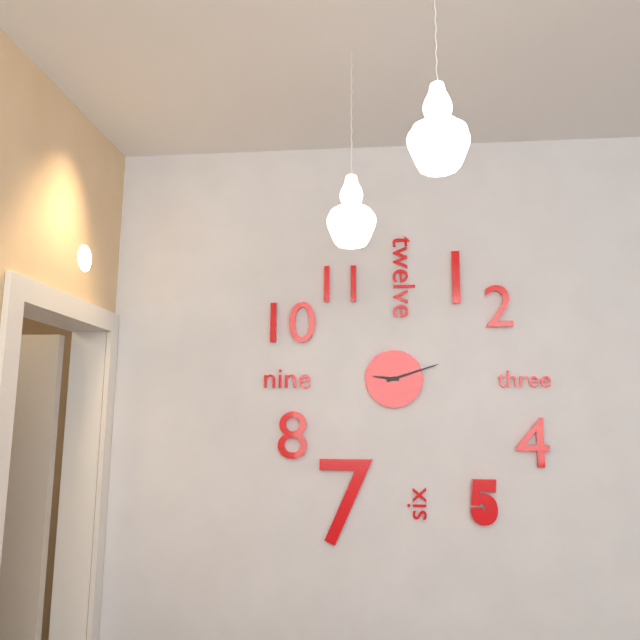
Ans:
9 h 12 min
